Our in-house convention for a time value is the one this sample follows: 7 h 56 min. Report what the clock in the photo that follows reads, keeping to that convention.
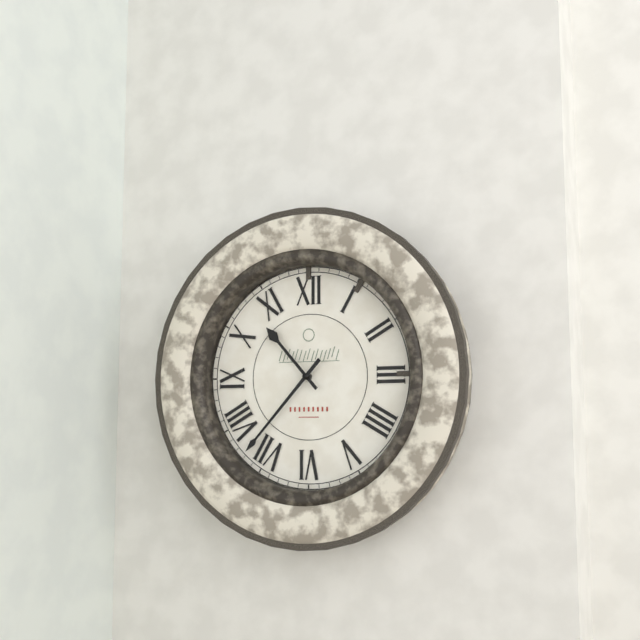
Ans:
10 h 37 min
